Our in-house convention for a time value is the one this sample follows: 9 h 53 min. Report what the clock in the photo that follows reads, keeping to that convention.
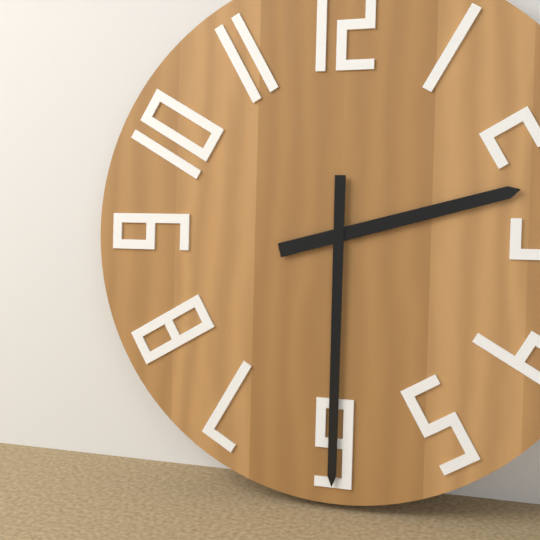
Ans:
2 h 30 min
